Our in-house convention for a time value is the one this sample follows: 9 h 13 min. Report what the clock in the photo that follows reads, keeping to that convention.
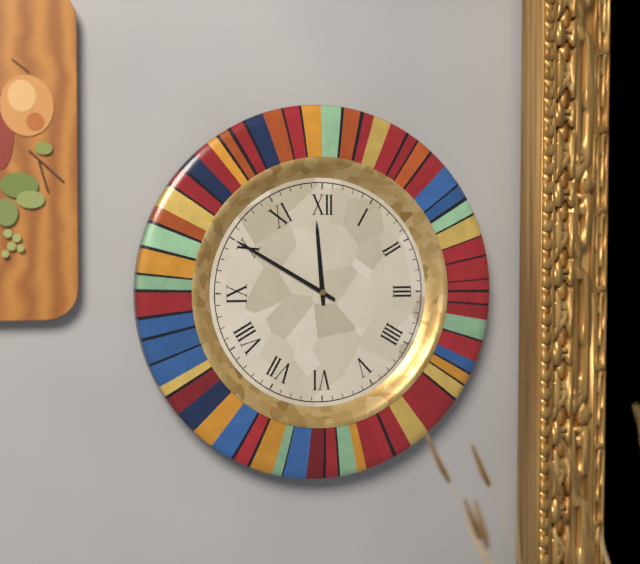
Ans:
11 h 50 min
